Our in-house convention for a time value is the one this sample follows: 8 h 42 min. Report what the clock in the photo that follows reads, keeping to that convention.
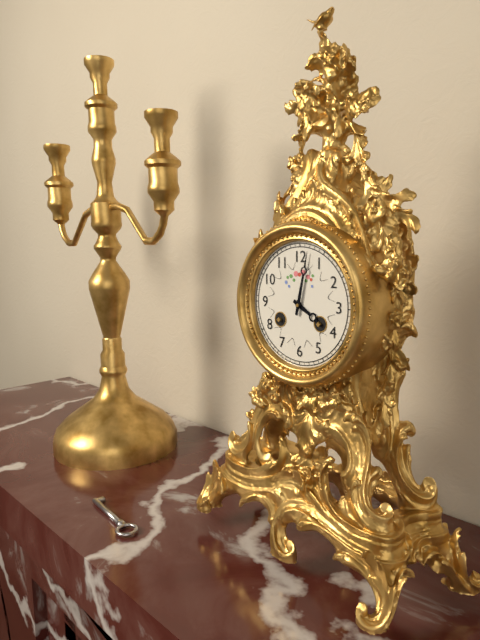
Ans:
4 h 02 min
